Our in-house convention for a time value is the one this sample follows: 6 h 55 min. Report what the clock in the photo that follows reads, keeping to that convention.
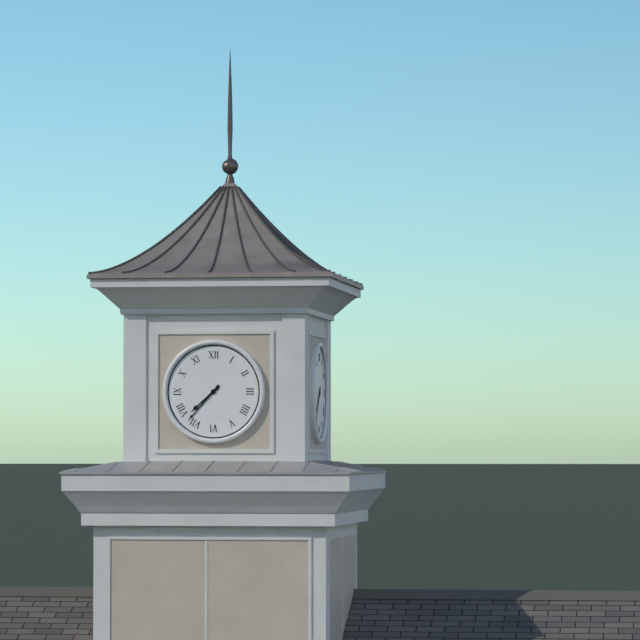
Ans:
7 h 37 min
